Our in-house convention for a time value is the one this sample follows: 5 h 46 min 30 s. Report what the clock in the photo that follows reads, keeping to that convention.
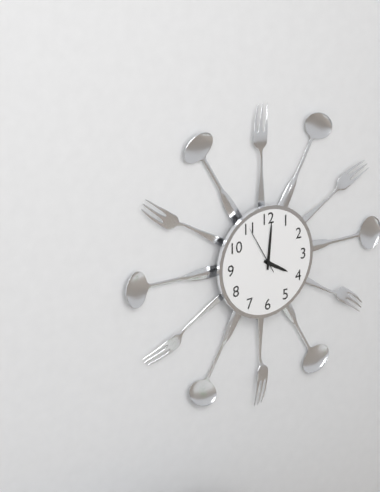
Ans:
4 h 01 min 55 s
